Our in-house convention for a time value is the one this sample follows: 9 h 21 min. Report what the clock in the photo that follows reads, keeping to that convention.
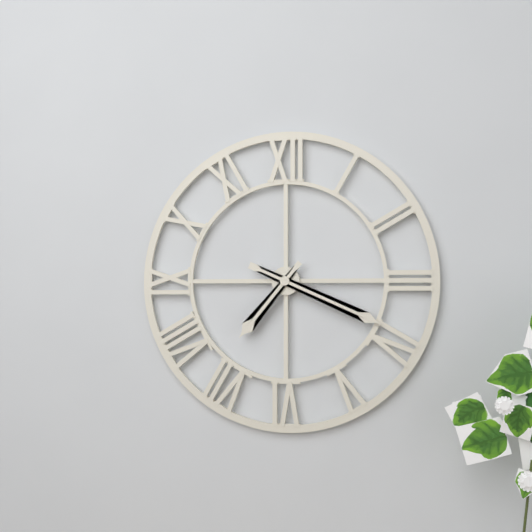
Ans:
7 h 19 min
